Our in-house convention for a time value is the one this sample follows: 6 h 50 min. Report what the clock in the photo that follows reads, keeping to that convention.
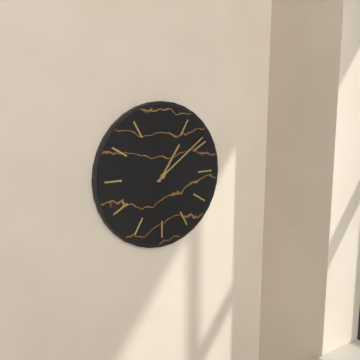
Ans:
1 h 09 min
